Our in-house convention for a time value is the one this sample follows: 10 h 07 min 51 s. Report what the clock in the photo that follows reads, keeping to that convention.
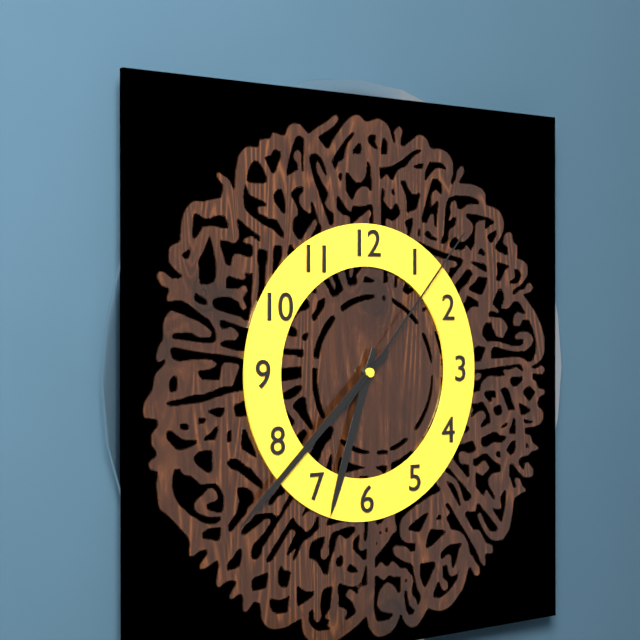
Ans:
6 h 38 min 07 s
